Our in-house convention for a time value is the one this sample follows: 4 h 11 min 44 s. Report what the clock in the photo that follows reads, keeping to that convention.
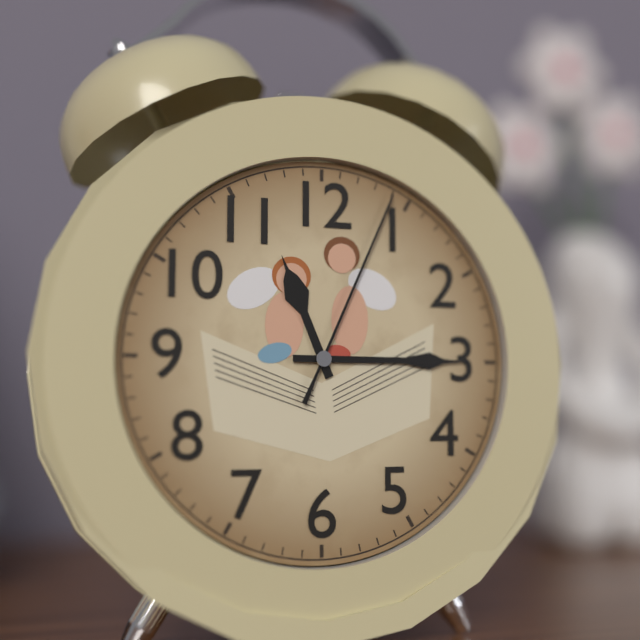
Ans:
11 h 15 min 04 s
